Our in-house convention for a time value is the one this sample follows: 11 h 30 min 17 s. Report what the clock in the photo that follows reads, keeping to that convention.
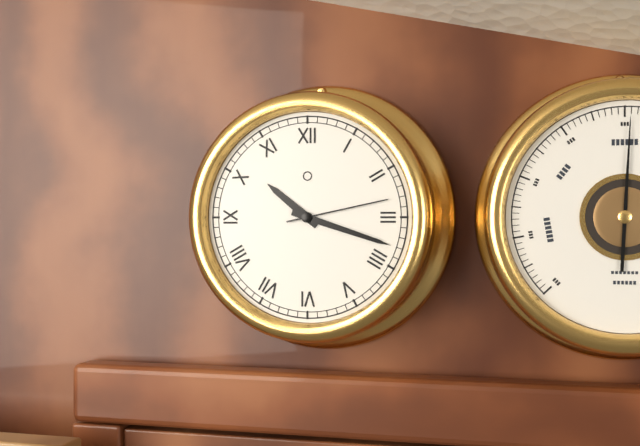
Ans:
10 h 18 min 13 s
